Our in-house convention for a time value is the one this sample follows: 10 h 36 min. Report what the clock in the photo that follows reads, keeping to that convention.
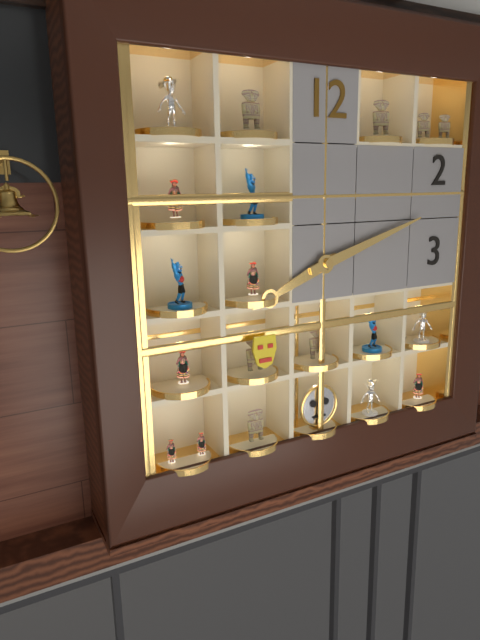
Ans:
8 h 12 min
